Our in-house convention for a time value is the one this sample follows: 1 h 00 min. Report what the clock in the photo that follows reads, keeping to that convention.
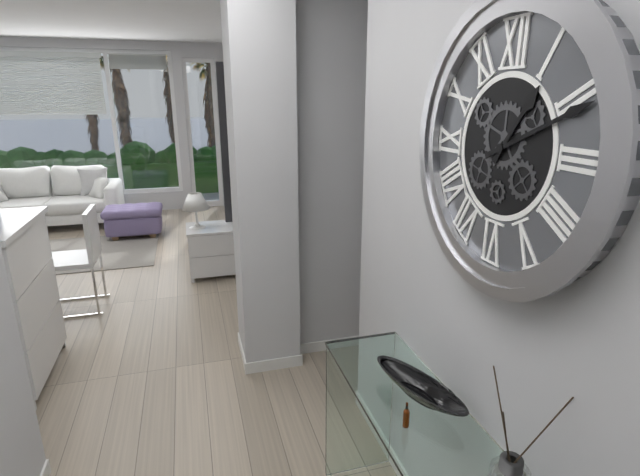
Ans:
1 h 11 min
